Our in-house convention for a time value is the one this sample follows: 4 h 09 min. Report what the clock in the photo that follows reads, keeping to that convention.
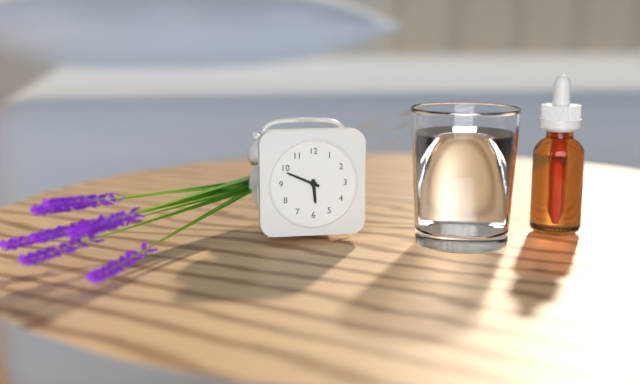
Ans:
5 h 49 min
